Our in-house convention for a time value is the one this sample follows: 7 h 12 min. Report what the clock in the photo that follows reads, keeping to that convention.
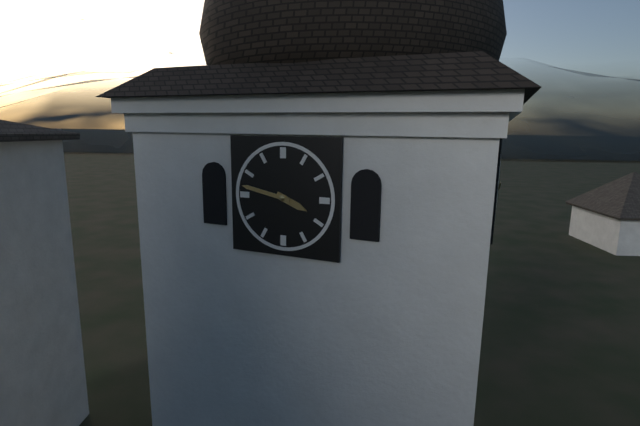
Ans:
3 h 47 min
